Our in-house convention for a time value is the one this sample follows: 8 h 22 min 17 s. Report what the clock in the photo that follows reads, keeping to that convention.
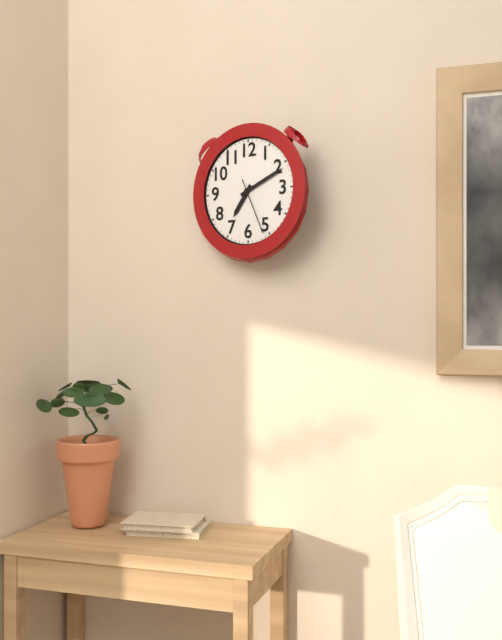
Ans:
7 h 11 min 26 s
